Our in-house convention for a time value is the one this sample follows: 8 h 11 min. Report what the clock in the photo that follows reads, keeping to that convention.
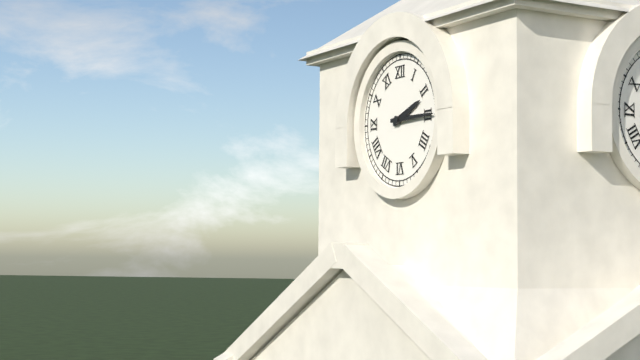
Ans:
2 h 15 min
